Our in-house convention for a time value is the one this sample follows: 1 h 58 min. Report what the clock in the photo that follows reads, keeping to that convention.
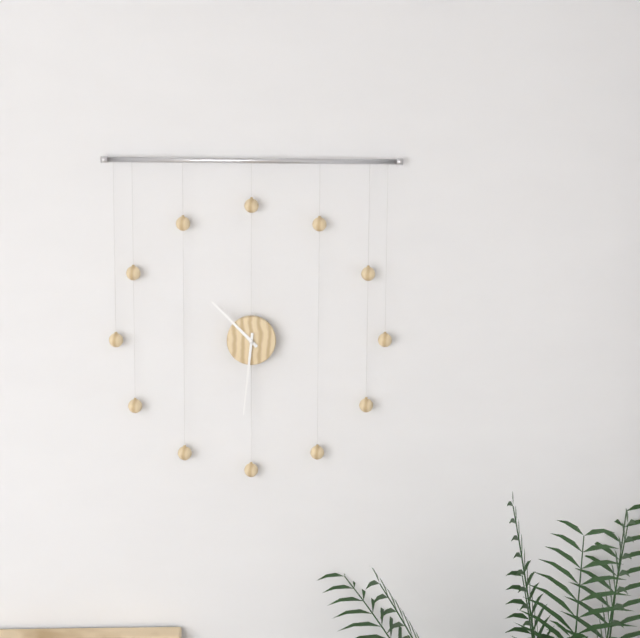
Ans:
10 h 31 min
